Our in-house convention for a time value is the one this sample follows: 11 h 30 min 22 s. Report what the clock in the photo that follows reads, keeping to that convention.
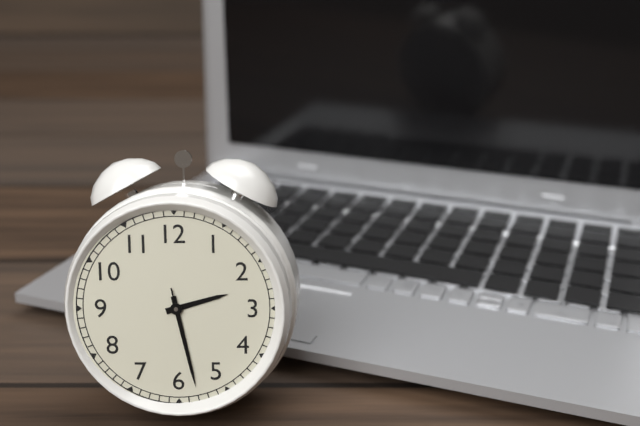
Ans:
2 h 28 min 28 s
